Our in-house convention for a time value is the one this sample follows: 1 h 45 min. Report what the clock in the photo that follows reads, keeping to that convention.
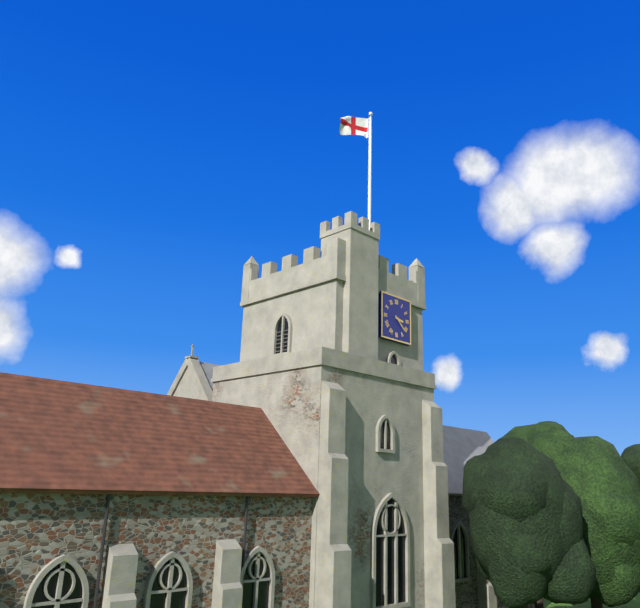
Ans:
3 h 22 min
